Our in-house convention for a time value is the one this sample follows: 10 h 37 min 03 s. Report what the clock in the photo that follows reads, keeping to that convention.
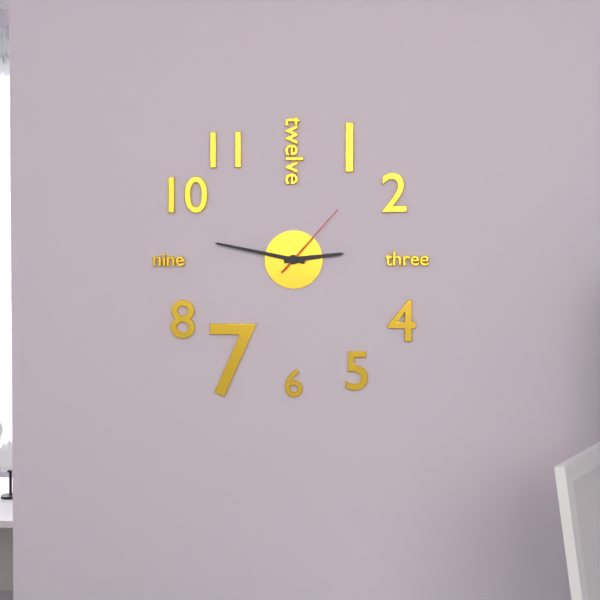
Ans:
2 h 47 min 07 s
